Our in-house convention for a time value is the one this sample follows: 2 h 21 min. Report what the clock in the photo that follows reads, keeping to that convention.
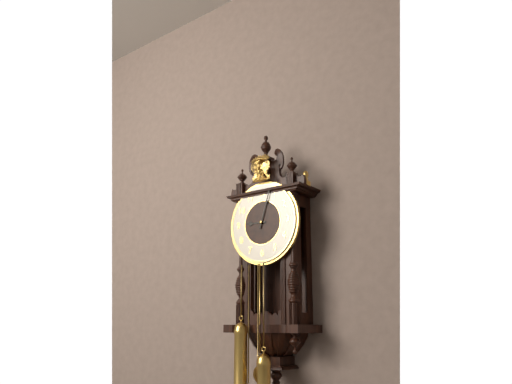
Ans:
9 h 03 min
